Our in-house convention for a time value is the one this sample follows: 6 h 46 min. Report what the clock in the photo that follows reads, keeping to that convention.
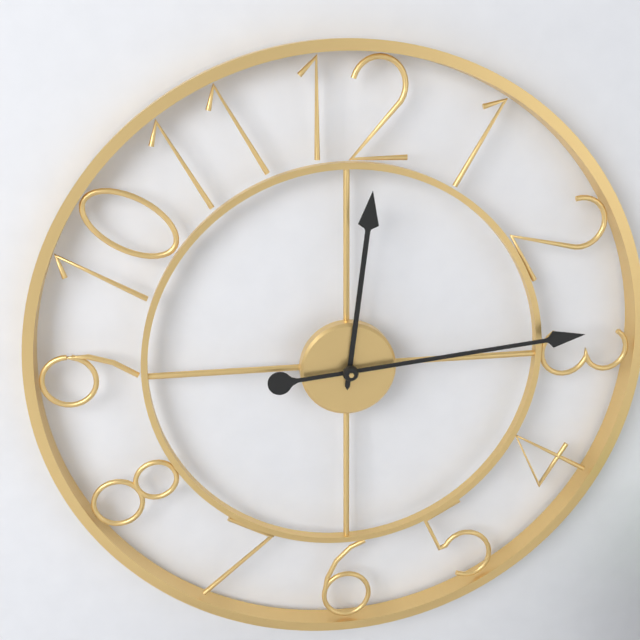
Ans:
12 h 14 min
